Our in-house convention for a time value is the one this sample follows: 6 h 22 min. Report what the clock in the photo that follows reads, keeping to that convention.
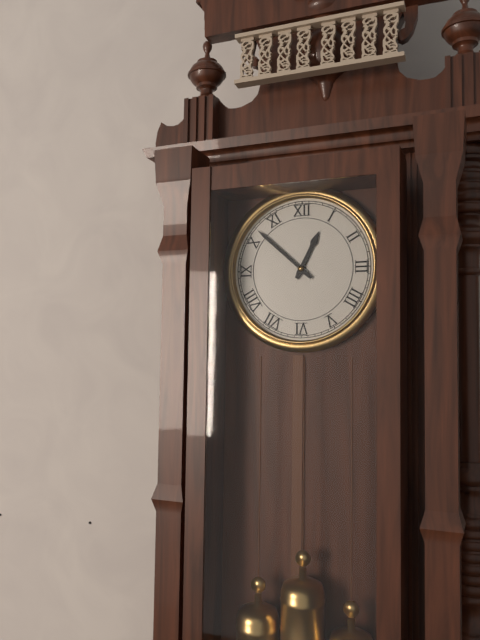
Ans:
12 h 52 min
